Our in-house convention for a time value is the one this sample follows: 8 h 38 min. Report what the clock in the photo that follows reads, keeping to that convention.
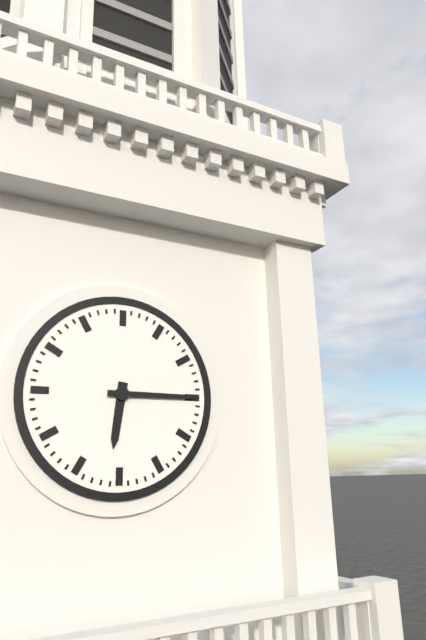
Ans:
6 h 15 min
